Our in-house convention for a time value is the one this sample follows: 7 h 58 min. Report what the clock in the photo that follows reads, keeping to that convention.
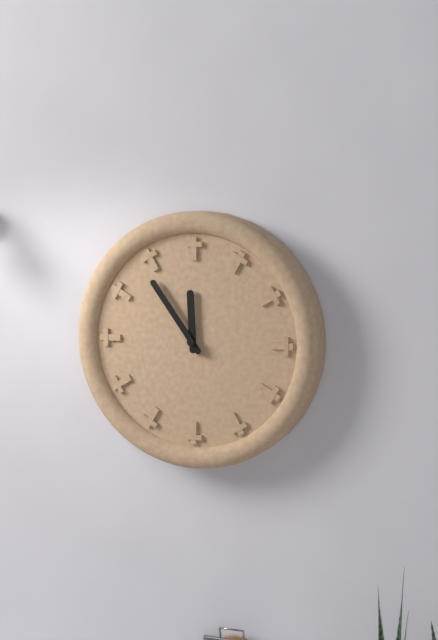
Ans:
11 h 54 min
